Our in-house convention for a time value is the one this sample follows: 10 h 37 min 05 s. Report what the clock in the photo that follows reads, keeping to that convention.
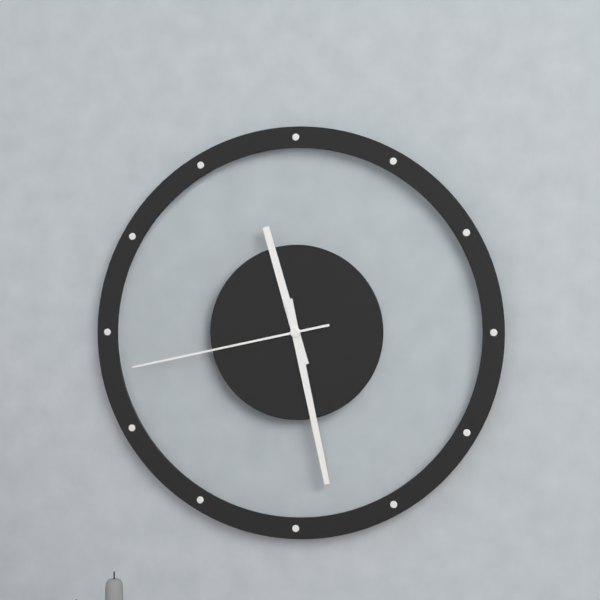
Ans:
11 h 28 min 43 s
